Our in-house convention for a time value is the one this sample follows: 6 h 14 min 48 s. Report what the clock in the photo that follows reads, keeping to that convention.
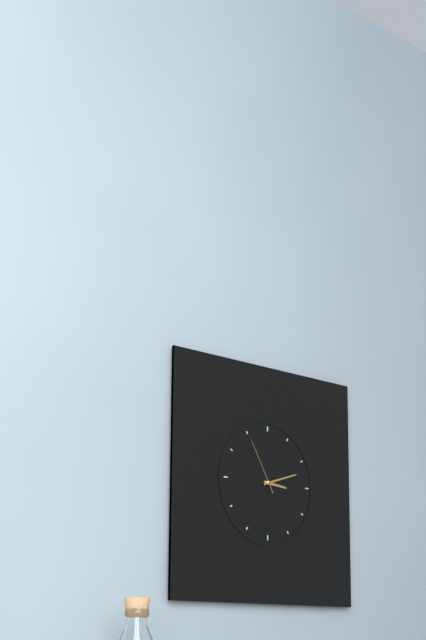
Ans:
3 h 12 min 55 s
